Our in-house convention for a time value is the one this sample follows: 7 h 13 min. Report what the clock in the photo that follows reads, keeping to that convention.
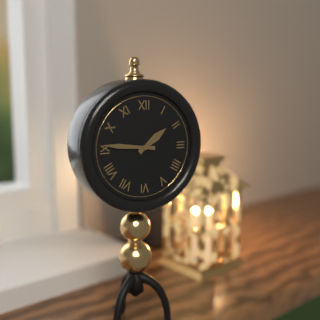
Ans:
1 h 46 min
